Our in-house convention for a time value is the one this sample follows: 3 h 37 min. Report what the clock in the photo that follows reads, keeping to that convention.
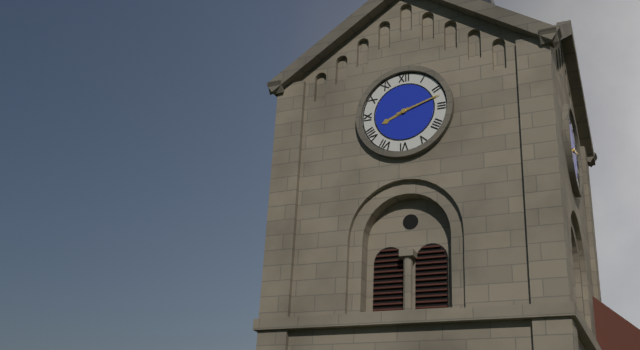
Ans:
8 h 12 min
